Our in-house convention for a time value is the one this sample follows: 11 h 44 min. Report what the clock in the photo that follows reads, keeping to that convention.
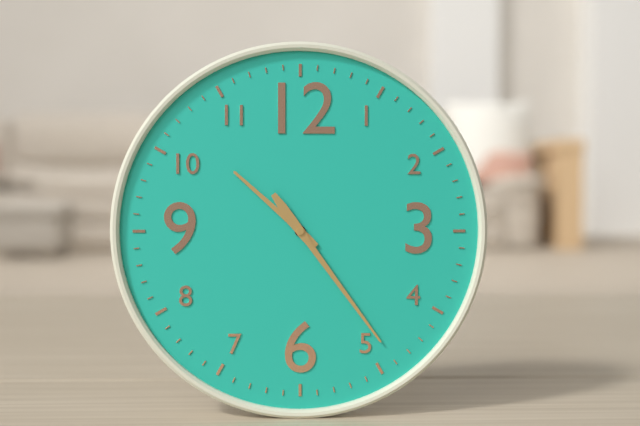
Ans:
10 h 24 min
